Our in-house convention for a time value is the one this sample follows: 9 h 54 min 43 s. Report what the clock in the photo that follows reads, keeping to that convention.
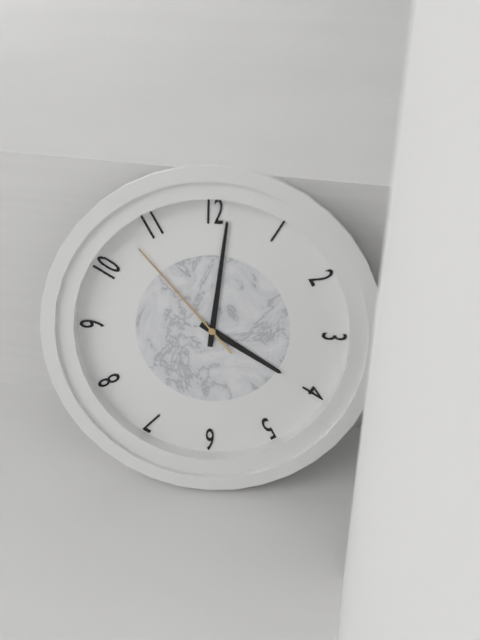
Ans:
4 h 01 min 53 s
